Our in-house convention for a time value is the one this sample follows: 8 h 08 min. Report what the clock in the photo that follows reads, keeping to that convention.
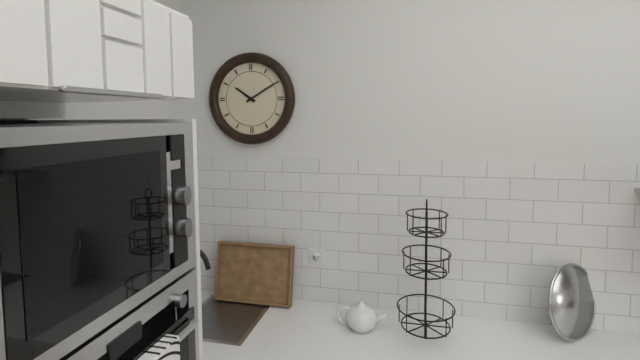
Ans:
10 h 10 min
